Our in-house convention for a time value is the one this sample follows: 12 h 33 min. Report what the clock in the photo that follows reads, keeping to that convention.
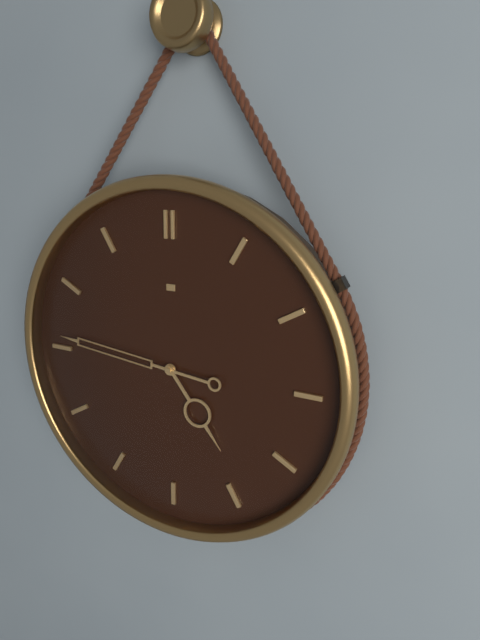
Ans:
4 h 46 min
